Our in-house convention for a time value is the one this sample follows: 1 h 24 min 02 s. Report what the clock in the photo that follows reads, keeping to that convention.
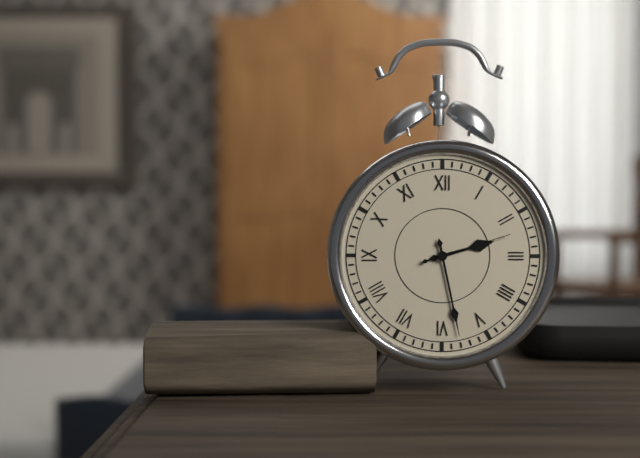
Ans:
2 h 28 min 12 s
